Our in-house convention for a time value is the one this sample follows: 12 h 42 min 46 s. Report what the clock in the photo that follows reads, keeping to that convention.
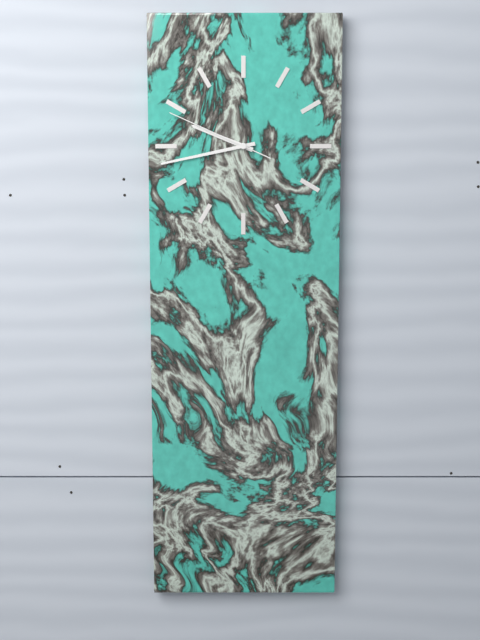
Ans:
9 h 43 min 49 s
